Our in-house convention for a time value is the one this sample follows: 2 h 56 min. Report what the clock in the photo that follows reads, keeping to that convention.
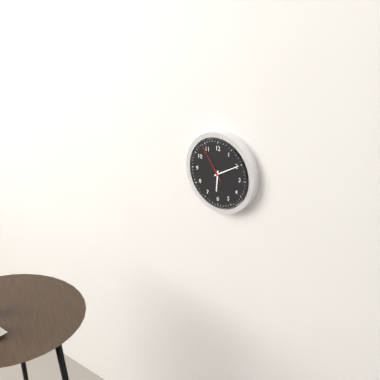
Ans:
6 h 10 min
